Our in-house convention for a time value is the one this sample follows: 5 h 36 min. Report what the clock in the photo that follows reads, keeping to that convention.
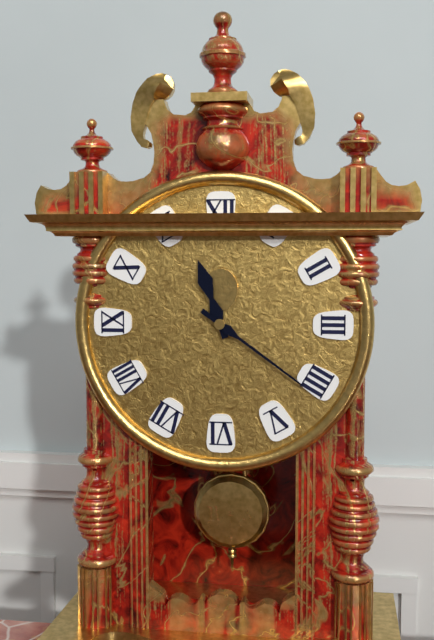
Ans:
11 h 21 min
